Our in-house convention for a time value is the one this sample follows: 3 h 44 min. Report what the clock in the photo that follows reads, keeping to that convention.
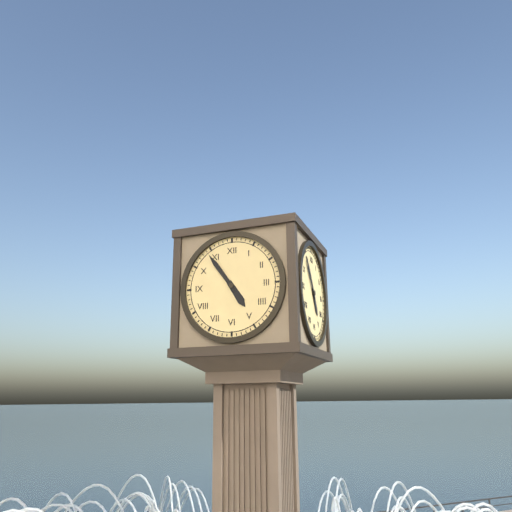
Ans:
4 h 54 min
